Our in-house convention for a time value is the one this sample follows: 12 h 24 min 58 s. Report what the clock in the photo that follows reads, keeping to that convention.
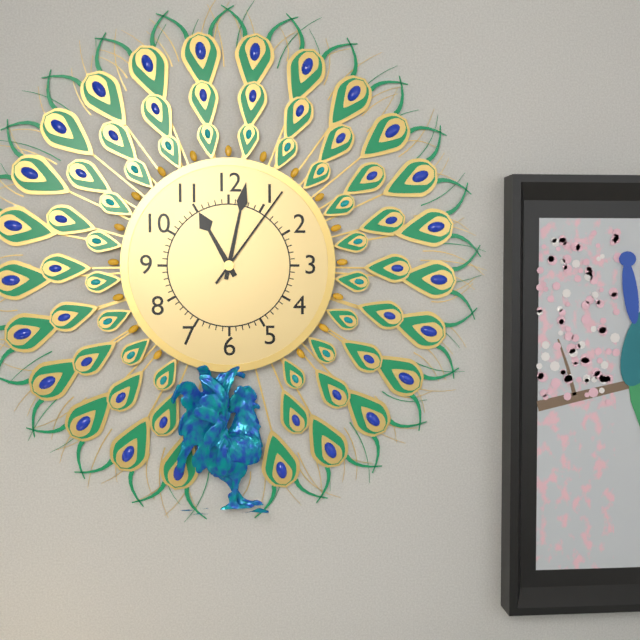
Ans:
11 h 02 min 06 s
